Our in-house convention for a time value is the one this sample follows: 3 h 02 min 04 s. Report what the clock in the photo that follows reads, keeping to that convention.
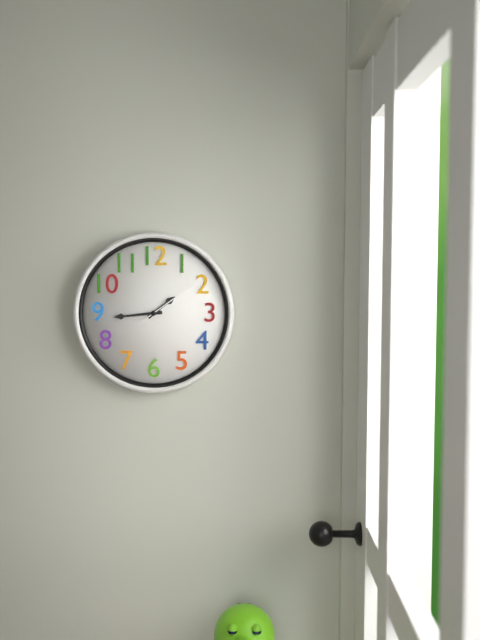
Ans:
1 h 44 min 09 s
